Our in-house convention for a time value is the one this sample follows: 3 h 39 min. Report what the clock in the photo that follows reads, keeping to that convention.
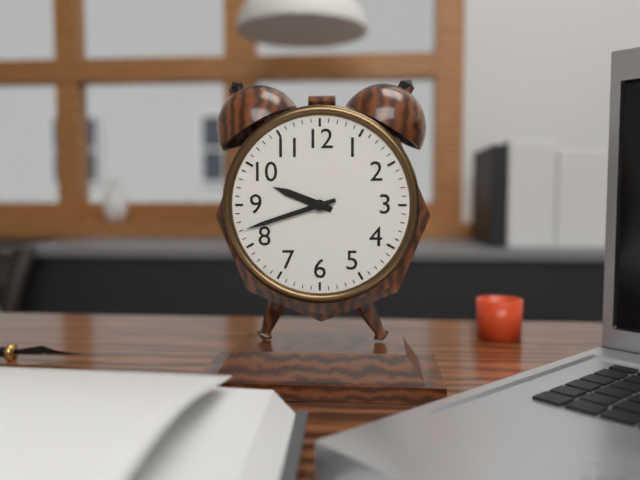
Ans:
9 h 42 min
